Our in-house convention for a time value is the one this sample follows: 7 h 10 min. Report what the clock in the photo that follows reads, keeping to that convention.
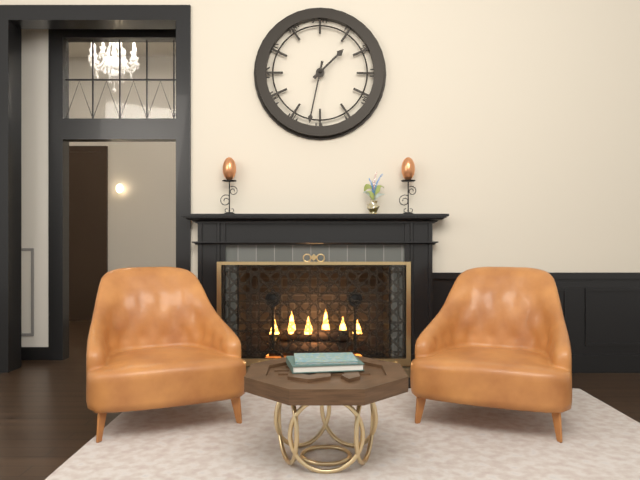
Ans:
1 h 32 min
